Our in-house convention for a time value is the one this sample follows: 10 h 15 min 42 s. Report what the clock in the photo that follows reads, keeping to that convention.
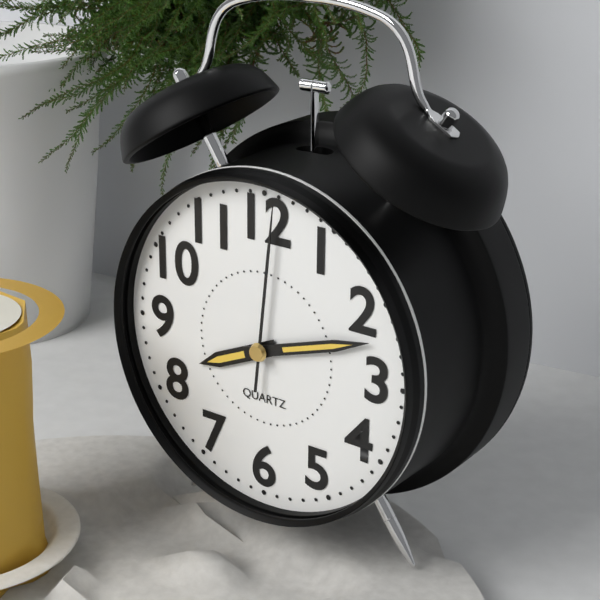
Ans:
8 h 12 min 01 s
